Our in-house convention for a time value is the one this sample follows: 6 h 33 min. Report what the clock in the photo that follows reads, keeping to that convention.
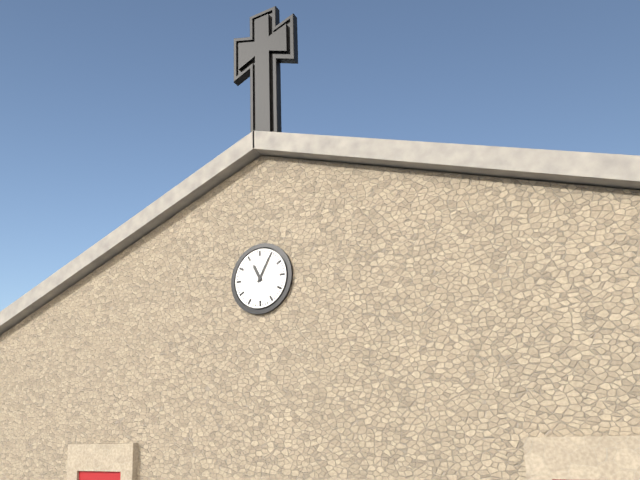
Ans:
11 h 05 min
